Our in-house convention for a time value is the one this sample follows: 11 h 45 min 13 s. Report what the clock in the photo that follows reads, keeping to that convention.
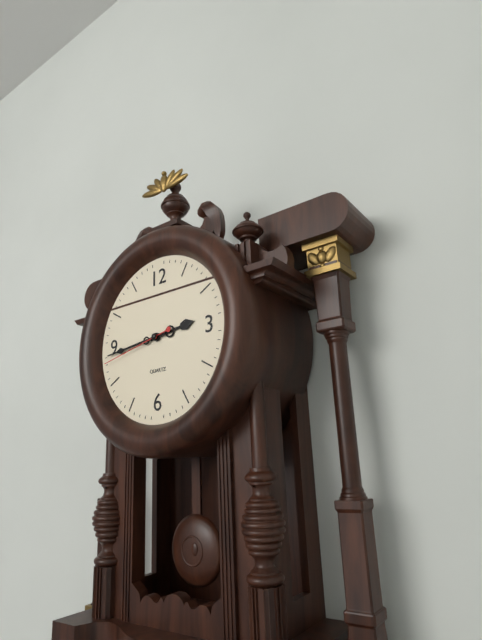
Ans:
2 h 44 min 43 s
